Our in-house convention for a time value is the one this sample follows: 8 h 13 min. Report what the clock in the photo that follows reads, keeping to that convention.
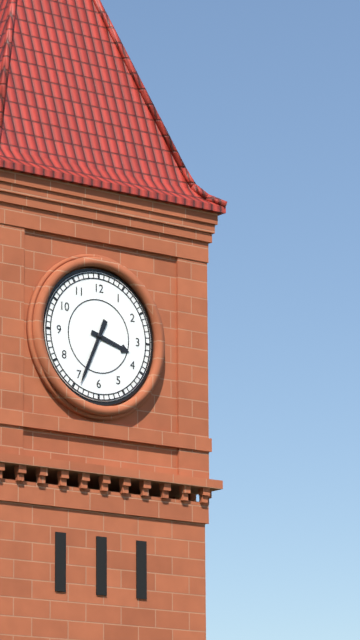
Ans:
3 h 34 min
